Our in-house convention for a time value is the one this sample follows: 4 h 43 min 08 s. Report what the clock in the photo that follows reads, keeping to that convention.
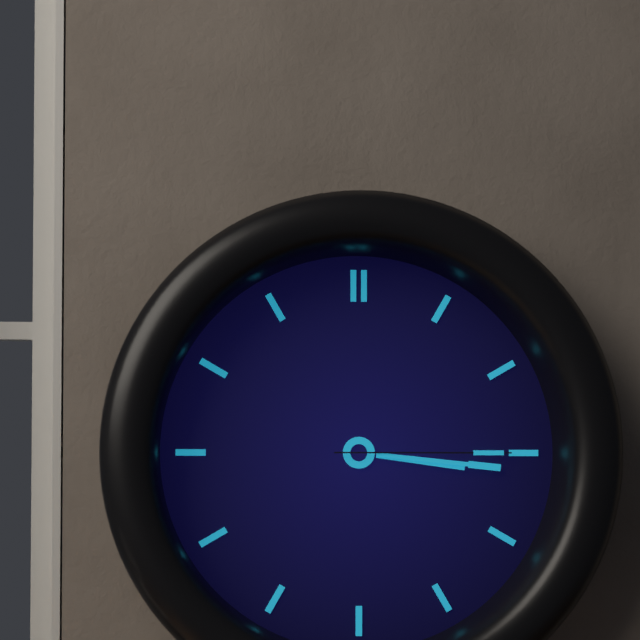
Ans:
3 h 16 min 15 s
